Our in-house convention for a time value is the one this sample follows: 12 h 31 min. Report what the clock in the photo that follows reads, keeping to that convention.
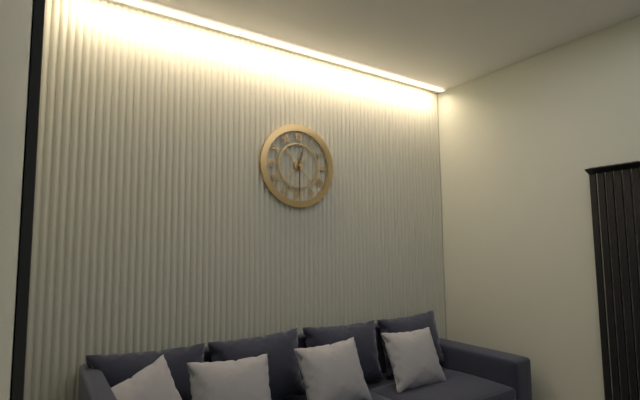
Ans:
12 h 30 min
